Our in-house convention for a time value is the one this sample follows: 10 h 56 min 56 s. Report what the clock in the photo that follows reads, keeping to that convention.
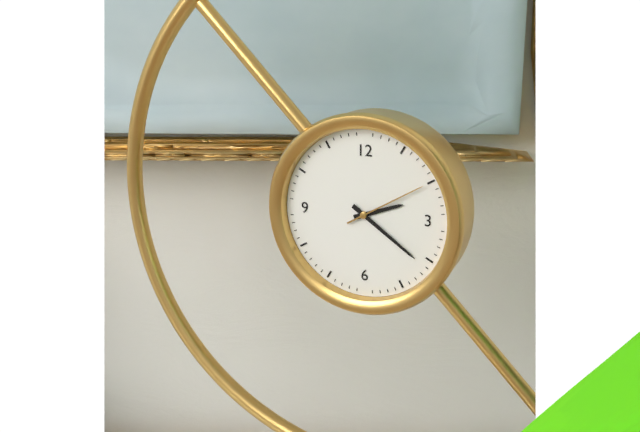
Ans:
2 h 21 min 10 s
